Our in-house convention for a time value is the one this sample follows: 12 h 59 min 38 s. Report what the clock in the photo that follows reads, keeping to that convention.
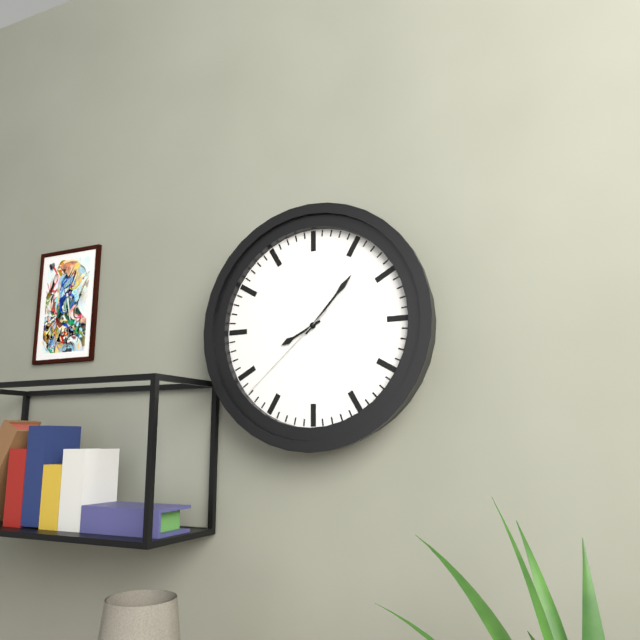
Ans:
8 h 07 min 38 s
